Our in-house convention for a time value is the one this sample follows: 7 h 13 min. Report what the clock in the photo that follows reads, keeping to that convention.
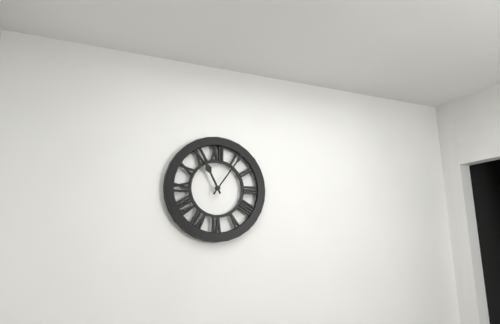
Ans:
11 h 06 min
